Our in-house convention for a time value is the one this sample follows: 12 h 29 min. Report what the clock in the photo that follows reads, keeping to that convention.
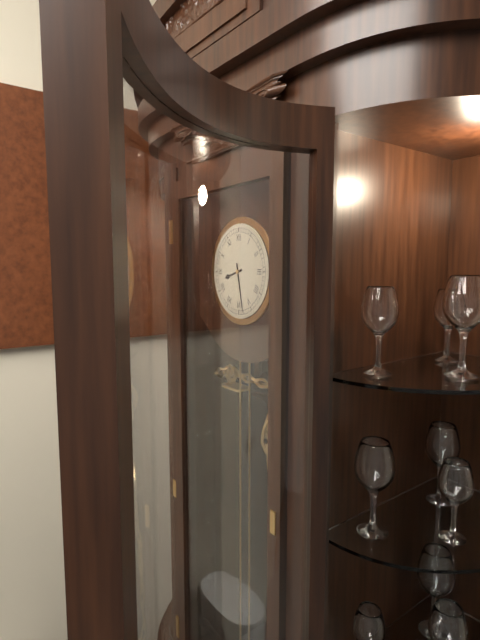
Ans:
8 h 28 min
